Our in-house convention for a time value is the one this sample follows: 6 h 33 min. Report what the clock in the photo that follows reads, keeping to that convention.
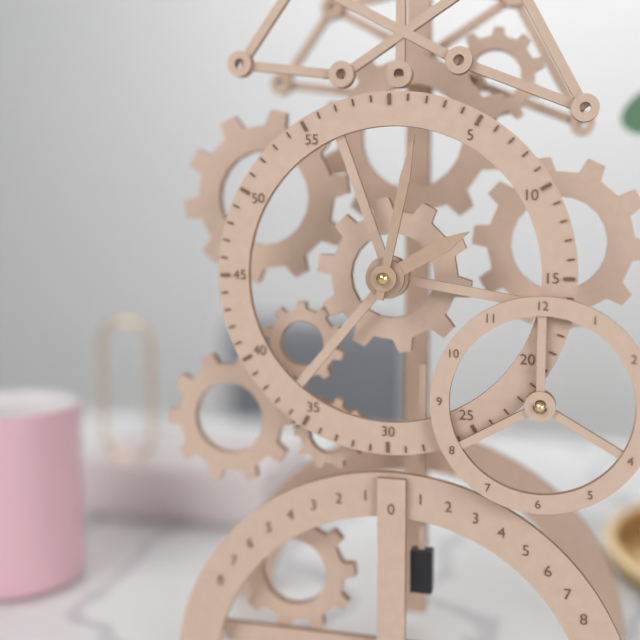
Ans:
2 h 02 min
